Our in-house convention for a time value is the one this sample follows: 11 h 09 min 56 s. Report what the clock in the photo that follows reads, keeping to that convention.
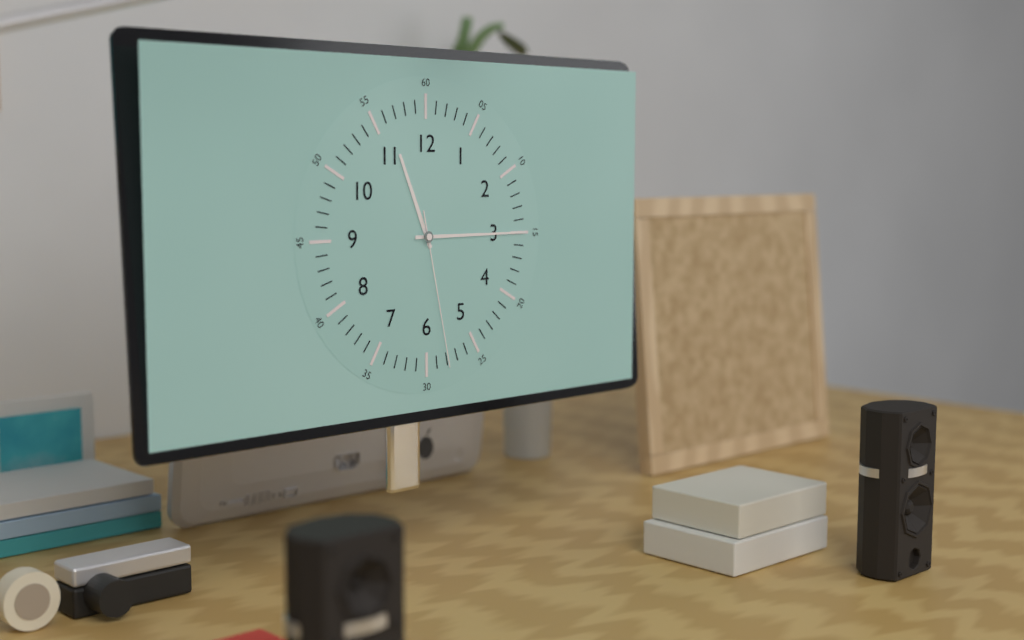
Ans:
11 h 15 min 28 s
